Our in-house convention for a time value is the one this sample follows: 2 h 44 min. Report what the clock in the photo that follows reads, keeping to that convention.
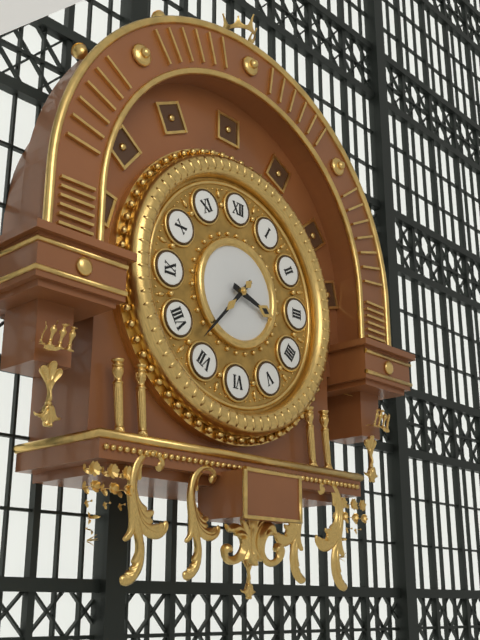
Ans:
3 h 37 min
